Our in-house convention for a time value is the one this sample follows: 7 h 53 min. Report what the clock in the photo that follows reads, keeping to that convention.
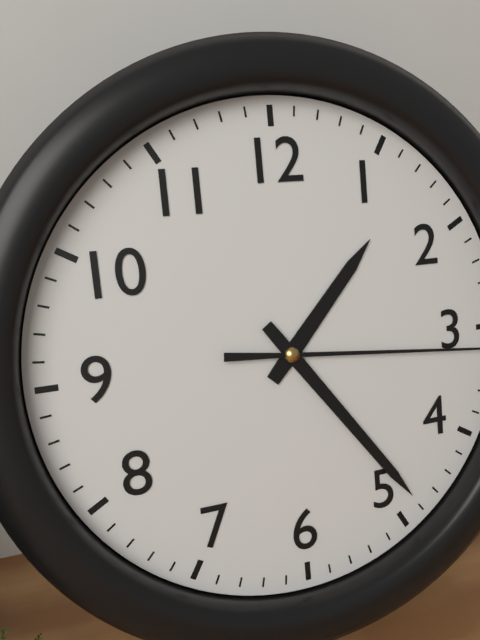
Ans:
1 h 24 min
